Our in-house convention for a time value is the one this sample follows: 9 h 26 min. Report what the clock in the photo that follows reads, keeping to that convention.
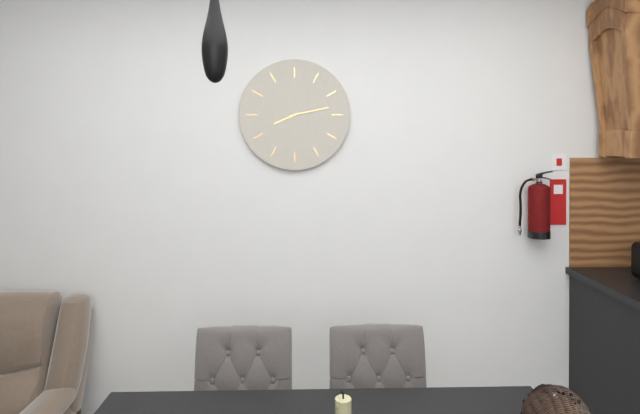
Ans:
8 h 13 min
